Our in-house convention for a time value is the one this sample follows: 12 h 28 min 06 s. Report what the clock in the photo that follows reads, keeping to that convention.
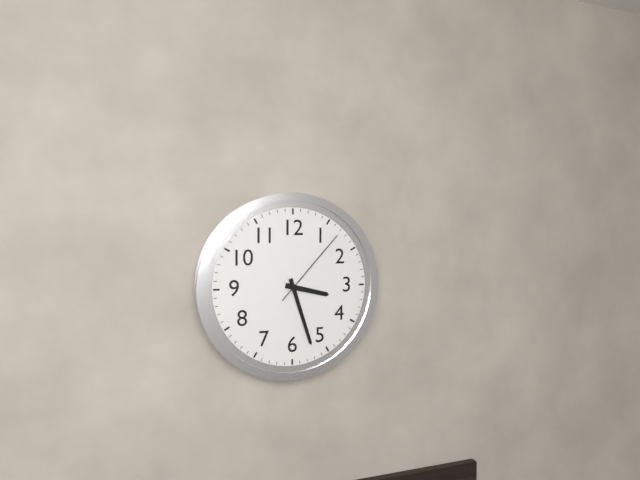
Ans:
3 h 27 min 07 s
